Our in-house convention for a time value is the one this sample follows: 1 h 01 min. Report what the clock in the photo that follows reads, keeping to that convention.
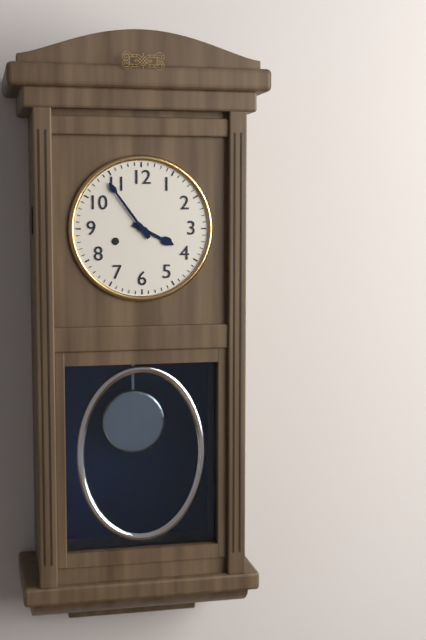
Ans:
3 h 54 min
